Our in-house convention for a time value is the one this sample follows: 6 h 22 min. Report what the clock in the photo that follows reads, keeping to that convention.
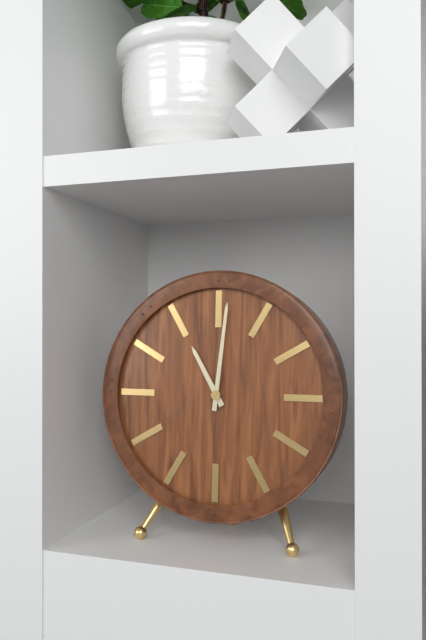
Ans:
11 h 01 min
